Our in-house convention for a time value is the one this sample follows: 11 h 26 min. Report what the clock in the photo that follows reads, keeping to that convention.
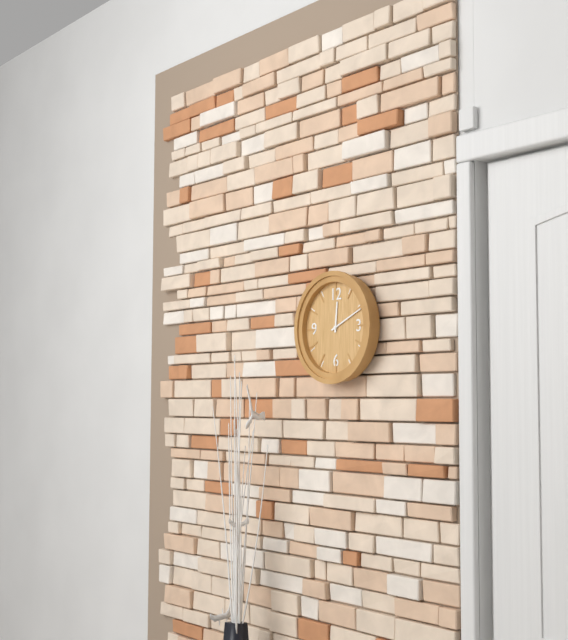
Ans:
12 h 11 min
